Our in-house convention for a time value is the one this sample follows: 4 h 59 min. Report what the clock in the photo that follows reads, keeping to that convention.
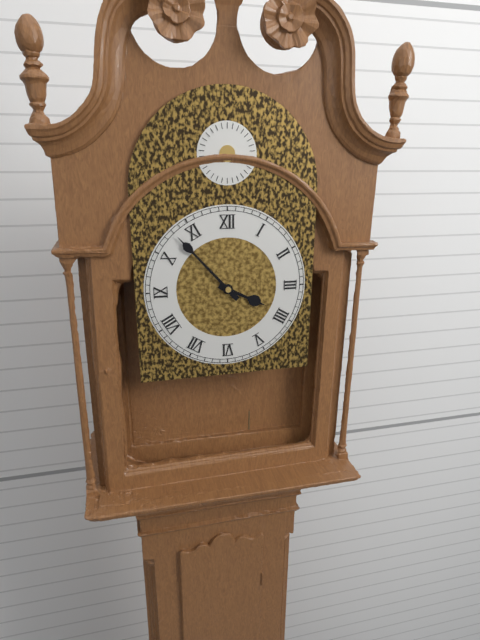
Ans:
3 h 53 min
